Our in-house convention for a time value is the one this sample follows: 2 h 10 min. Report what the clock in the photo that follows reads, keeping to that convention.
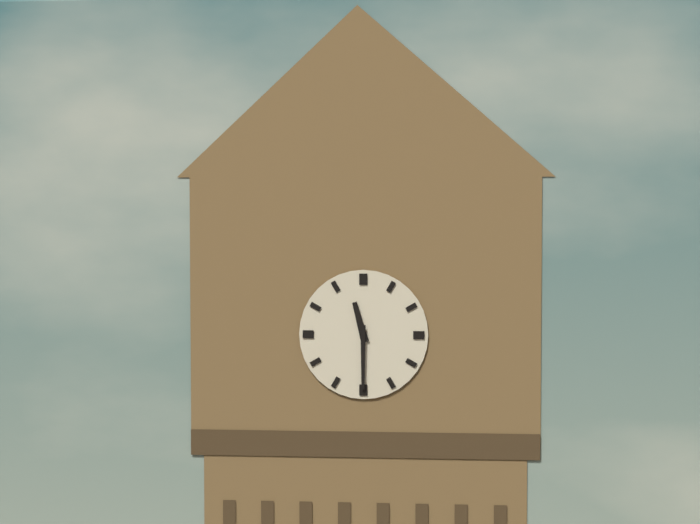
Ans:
11 h 30 min
